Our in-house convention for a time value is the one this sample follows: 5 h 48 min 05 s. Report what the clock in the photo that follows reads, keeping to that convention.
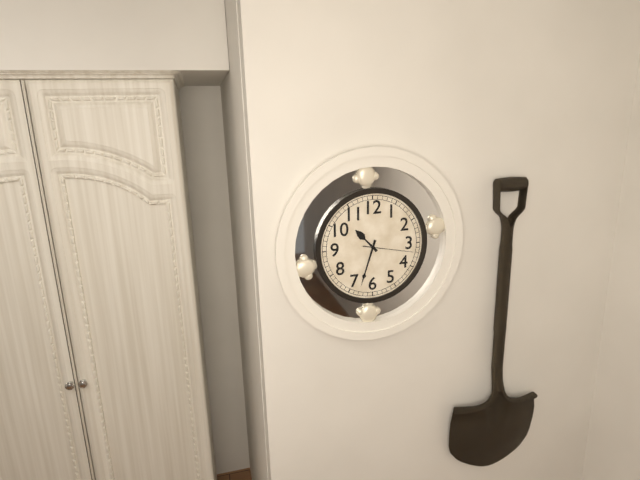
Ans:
10 h 33 min 17 s
